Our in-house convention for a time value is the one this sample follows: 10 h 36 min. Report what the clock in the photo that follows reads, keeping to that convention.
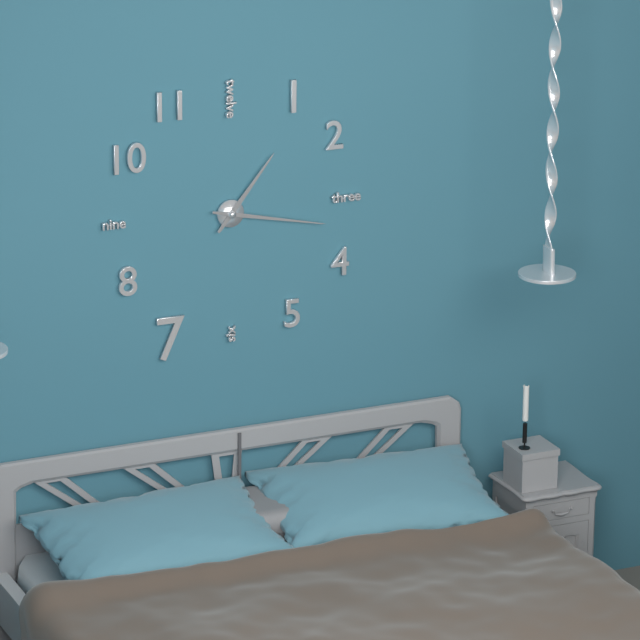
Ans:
1 h 17 min
